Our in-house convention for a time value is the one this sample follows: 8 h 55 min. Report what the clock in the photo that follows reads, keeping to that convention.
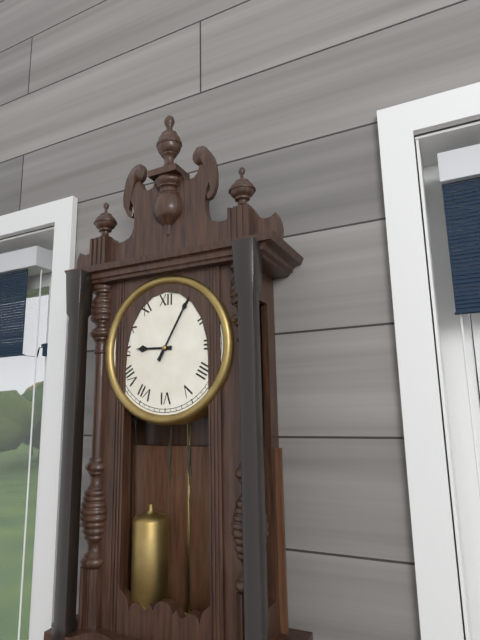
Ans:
9 h 05 min
